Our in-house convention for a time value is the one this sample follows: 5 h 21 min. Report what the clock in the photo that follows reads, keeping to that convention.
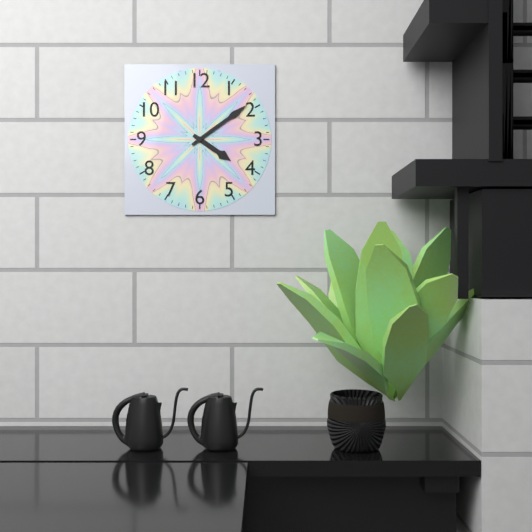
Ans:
4 h 09 min
